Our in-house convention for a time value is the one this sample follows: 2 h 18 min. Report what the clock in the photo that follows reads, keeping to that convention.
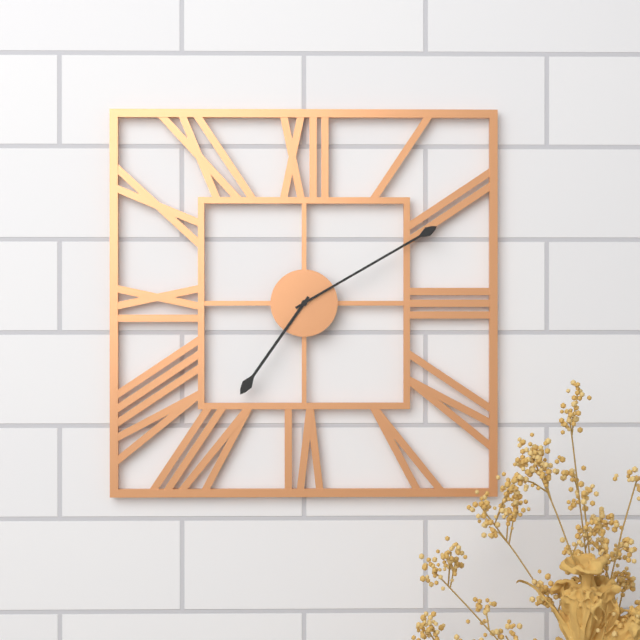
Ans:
7 h 10 min
